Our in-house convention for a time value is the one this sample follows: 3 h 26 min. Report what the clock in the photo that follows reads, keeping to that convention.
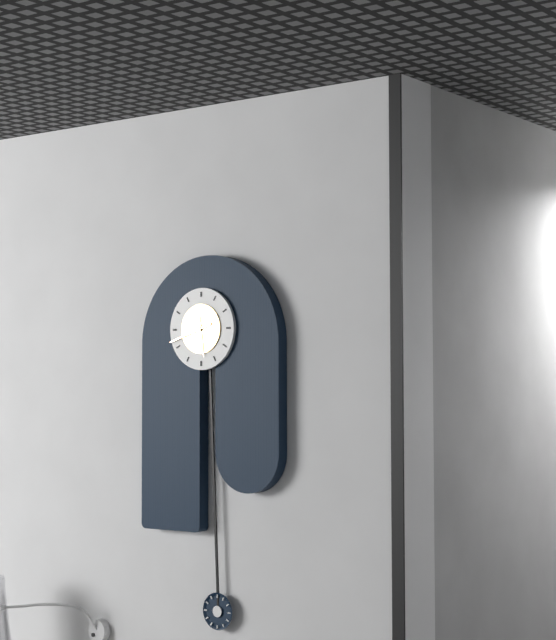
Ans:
5 h 42 min
